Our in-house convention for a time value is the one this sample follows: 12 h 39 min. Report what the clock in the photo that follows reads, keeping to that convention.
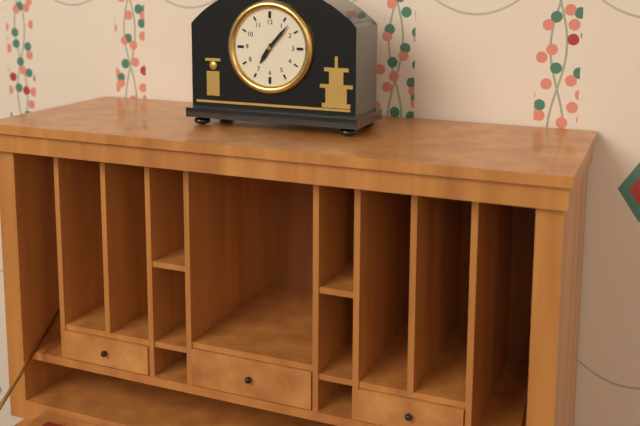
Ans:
7 h 07 min
